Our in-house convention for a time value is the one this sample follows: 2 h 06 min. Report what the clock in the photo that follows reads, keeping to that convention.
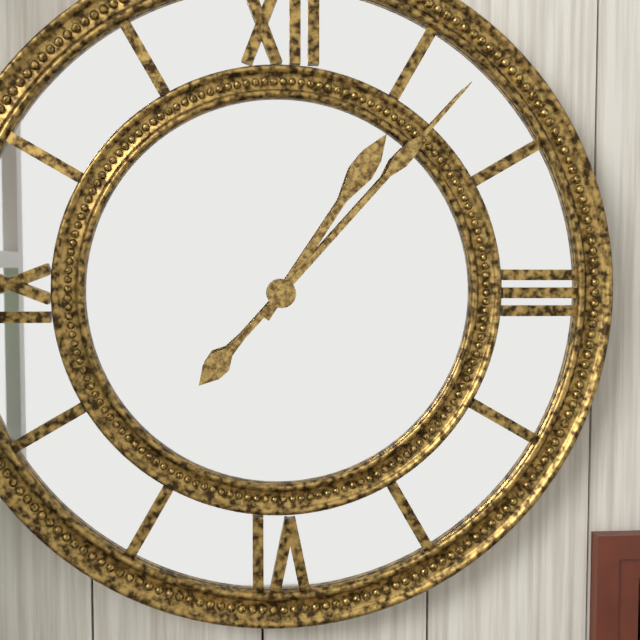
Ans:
1 h 07 min
